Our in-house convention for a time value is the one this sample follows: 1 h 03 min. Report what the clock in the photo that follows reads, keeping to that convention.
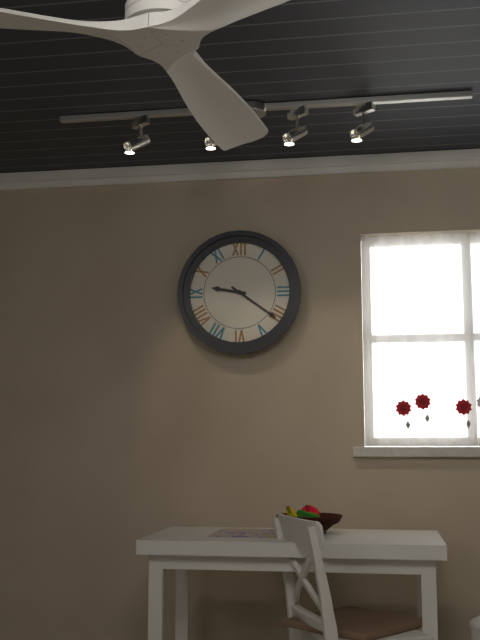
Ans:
9 h 21 min
